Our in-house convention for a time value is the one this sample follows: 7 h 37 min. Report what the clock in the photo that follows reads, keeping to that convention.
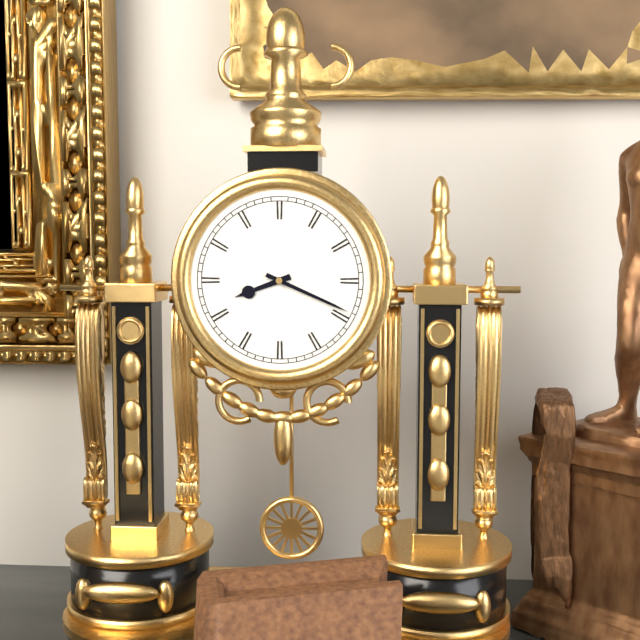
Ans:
8 h 19 min
